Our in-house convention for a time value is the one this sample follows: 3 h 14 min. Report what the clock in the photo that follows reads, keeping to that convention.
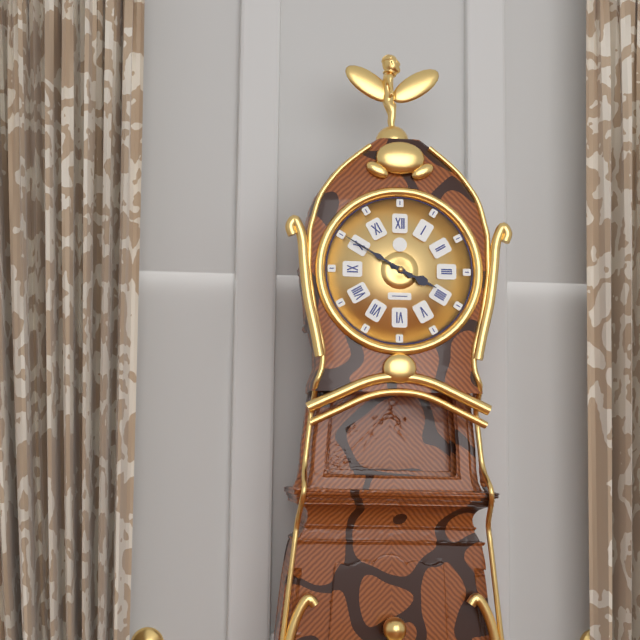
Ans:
3 h 50 min
